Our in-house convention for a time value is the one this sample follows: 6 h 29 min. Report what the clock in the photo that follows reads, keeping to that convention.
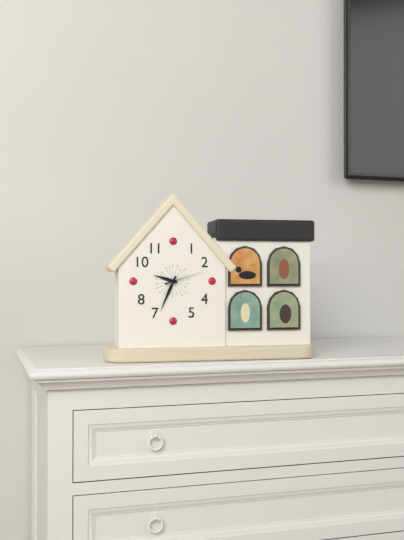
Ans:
9 h 34 min
